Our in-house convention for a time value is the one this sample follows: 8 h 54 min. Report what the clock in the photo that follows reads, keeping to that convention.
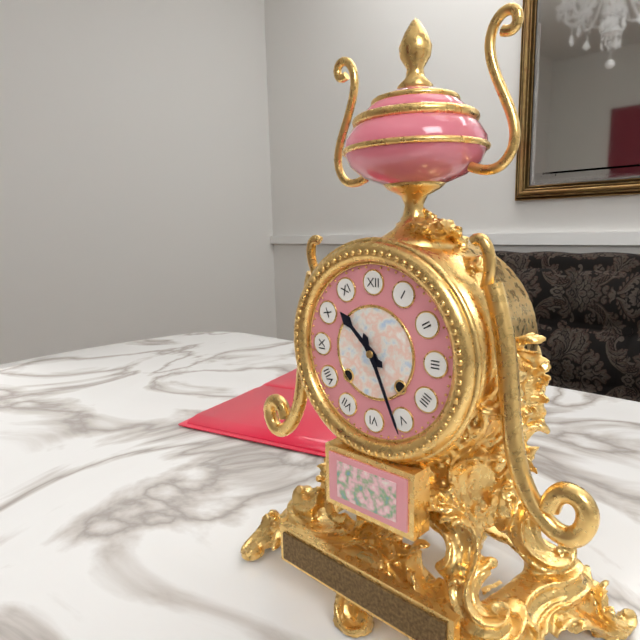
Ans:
10 h 26 min
